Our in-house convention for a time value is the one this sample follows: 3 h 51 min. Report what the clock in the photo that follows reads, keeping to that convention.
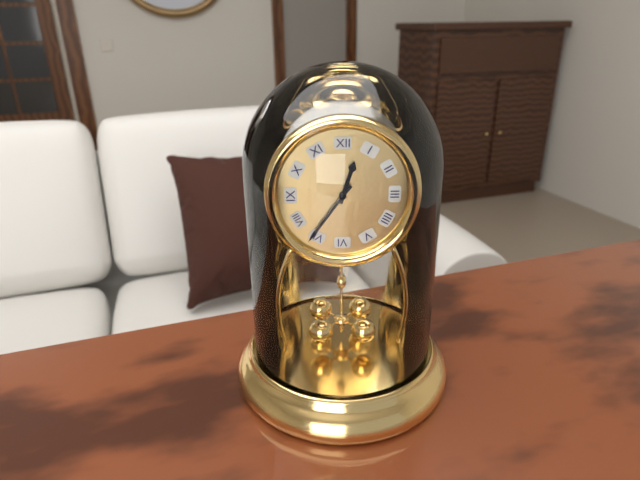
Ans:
12 h 36 min
